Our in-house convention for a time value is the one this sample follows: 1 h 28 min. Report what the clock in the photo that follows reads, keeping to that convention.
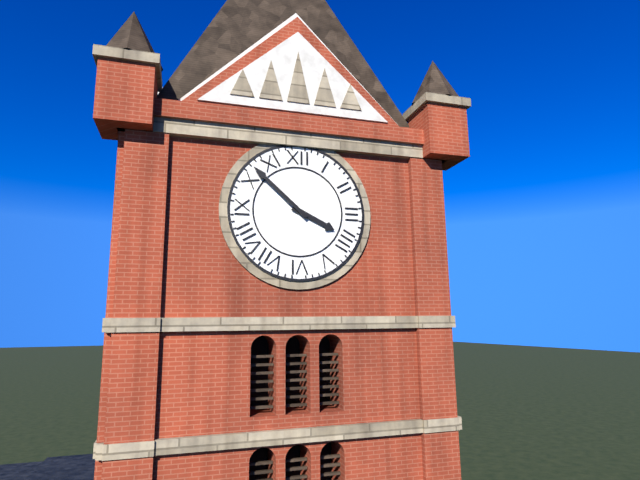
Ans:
3 h 52 min
